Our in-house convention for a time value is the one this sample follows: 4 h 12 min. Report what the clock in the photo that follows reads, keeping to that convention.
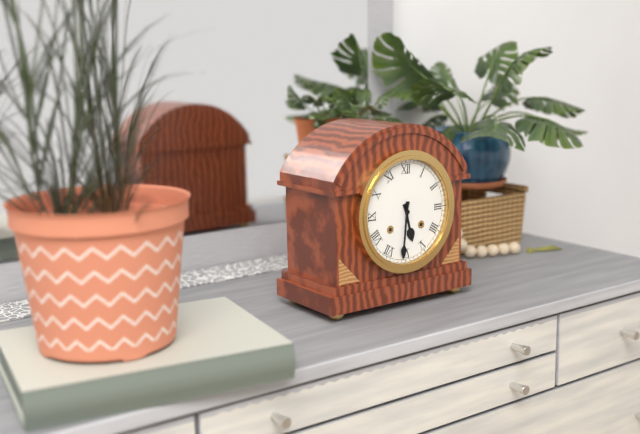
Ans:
5 h 31 min
